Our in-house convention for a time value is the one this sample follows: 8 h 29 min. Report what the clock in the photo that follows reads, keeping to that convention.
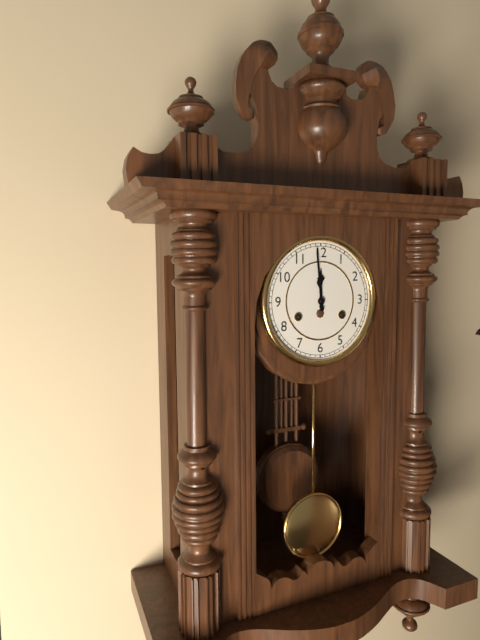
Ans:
11 h 59 min
